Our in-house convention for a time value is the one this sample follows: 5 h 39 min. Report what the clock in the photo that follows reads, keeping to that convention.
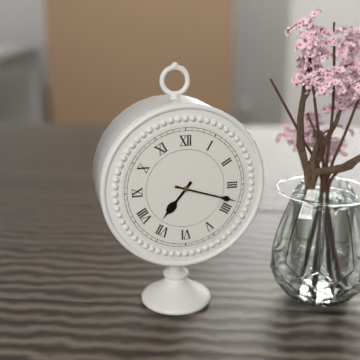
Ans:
7 h 18 min
